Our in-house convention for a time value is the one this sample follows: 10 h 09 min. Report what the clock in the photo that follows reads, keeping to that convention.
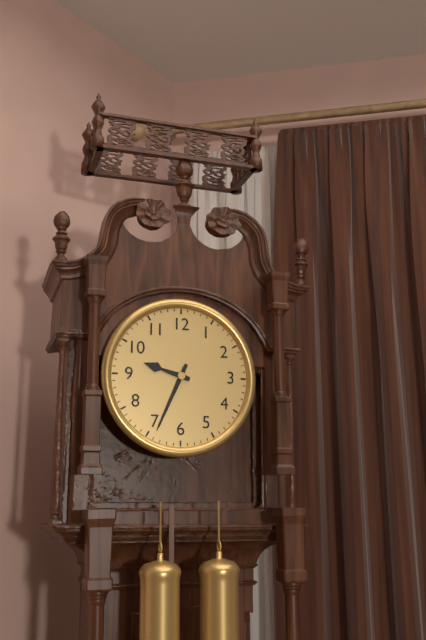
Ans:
9 h 34 min
